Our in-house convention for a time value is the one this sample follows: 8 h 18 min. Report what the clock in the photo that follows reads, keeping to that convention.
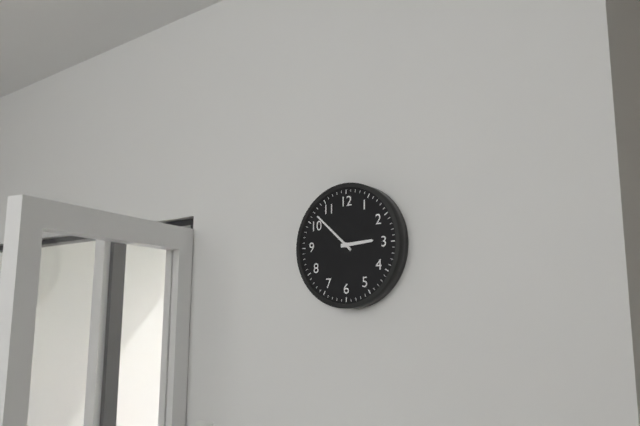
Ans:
2 h 52 min
